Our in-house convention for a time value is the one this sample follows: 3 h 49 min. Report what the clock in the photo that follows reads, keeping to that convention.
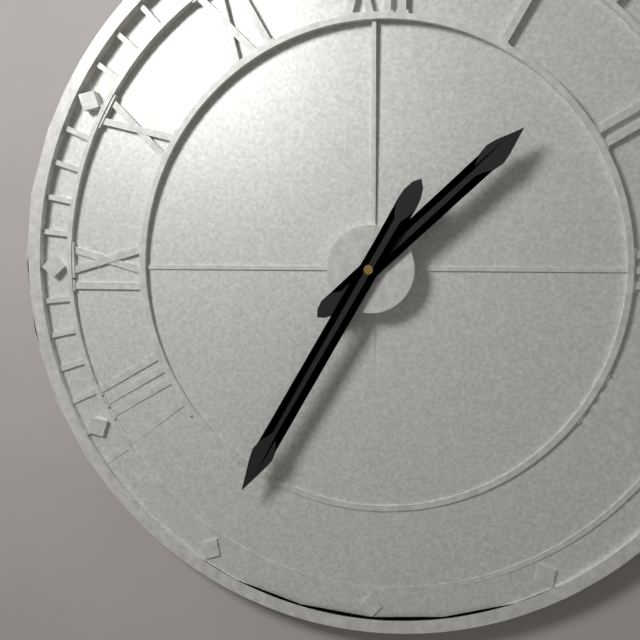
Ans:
1 h 35 min
